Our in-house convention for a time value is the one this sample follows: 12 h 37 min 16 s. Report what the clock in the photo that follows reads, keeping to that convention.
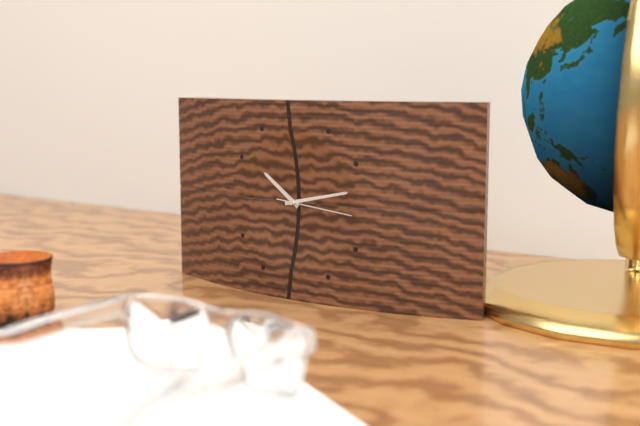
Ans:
10 h 13 min 16 s
